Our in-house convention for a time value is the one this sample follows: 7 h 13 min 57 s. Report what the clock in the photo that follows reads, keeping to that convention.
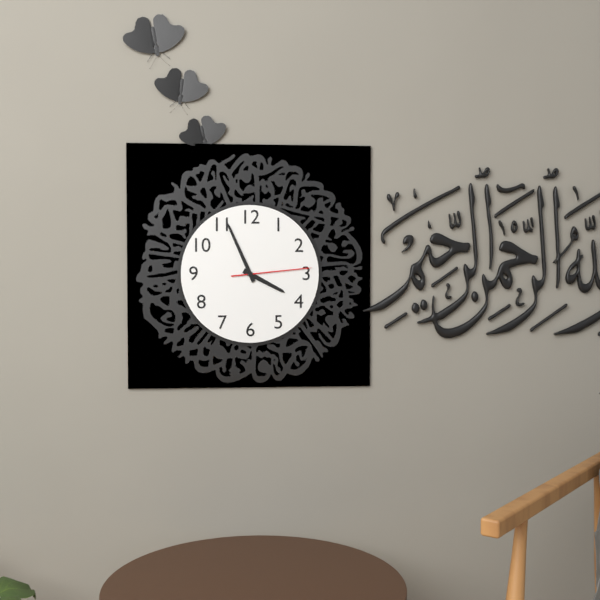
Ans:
3 h 56 min 14 s
